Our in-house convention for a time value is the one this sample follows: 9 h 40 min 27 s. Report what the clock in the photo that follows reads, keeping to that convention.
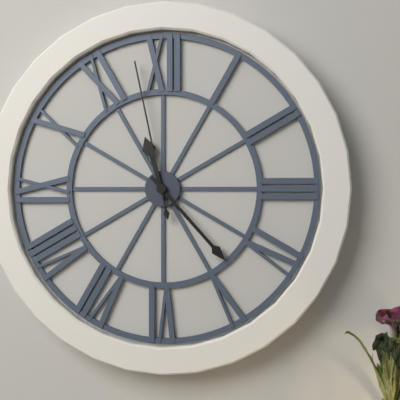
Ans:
11 h 23 min 58 s
